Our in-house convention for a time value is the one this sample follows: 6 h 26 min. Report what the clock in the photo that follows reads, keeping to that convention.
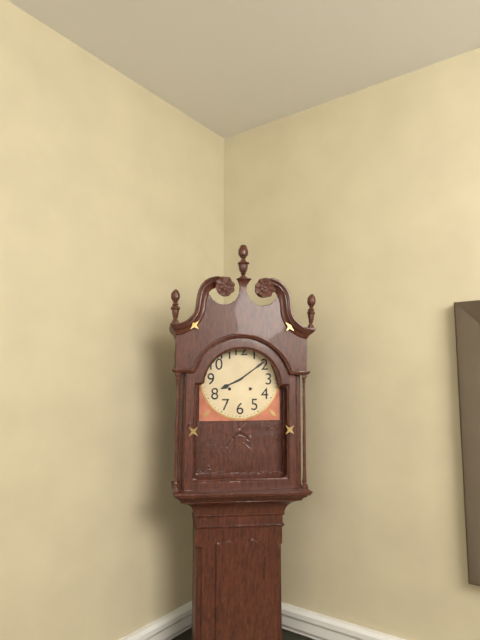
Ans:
8 h 09 min
